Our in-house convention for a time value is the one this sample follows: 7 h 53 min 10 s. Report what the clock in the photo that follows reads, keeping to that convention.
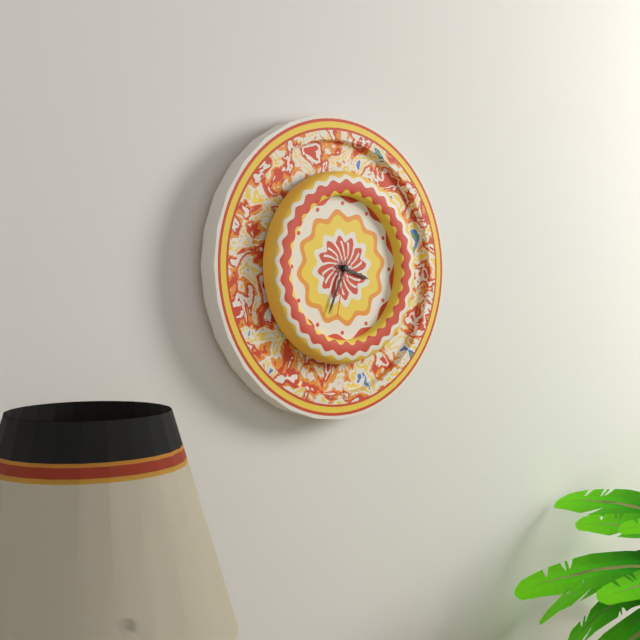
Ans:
3 h 34 min 32 s
